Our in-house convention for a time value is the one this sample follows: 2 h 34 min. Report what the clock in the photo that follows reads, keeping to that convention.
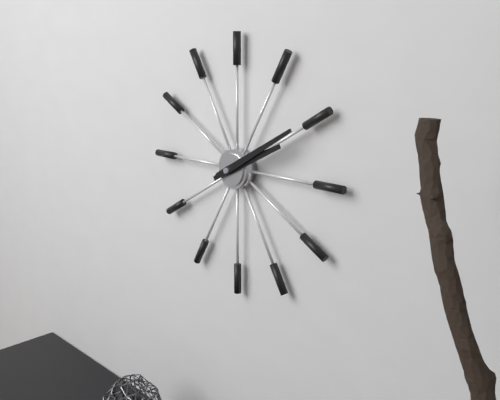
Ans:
2 h 10 min
